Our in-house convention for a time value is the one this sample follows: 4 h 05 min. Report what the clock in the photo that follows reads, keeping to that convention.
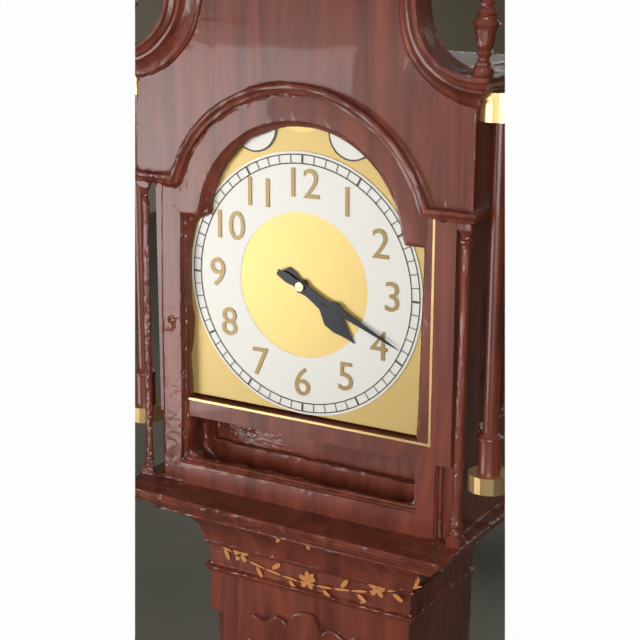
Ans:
4 h 19 min
